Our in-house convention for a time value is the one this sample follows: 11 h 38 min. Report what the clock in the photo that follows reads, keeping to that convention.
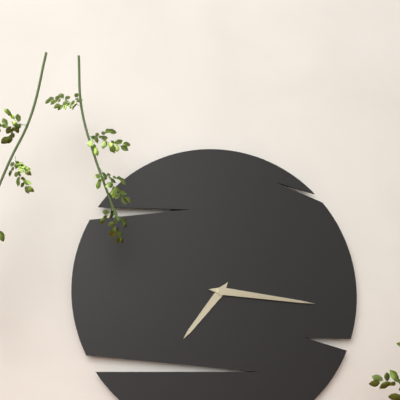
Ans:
7 h 16 min
